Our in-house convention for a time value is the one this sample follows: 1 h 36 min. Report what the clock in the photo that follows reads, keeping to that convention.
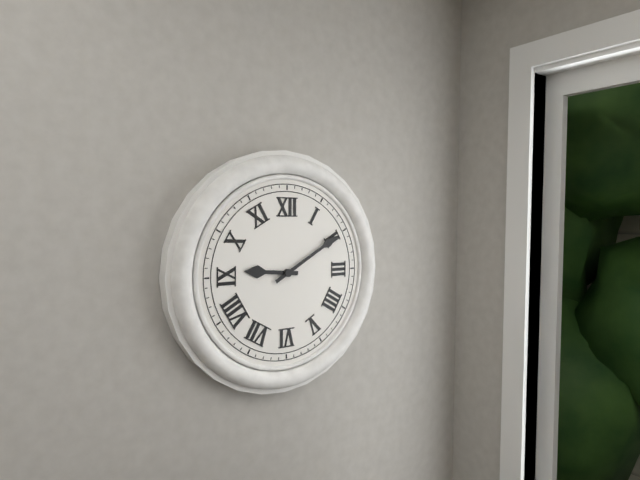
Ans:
9 h 10 min
